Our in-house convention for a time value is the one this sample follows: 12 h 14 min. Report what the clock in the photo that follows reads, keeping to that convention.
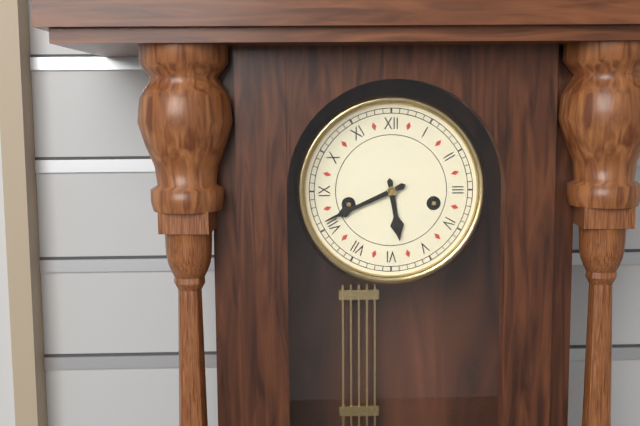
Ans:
5 h 41 min
